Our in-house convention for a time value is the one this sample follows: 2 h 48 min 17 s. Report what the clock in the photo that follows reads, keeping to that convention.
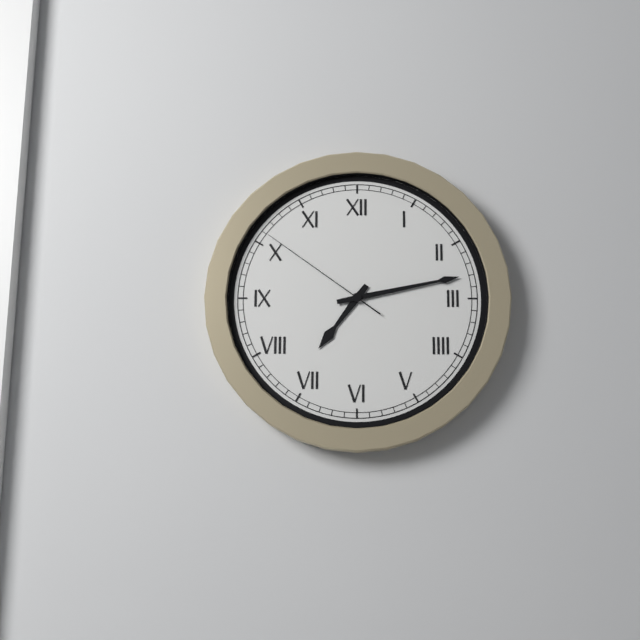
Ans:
7 h 13 min 51 s
